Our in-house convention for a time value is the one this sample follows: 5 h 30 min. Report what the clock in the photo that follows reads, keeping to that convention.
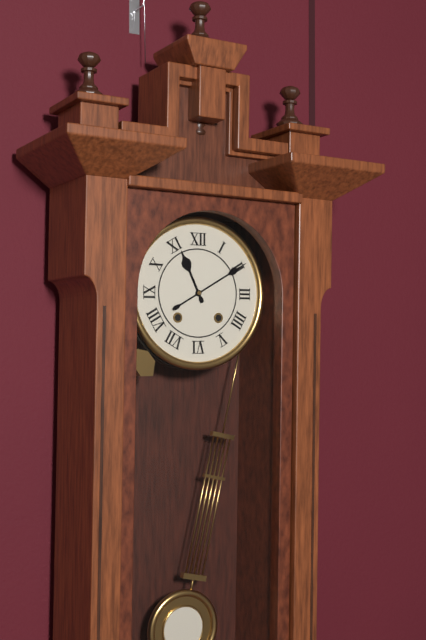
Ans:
11 h 10 min
